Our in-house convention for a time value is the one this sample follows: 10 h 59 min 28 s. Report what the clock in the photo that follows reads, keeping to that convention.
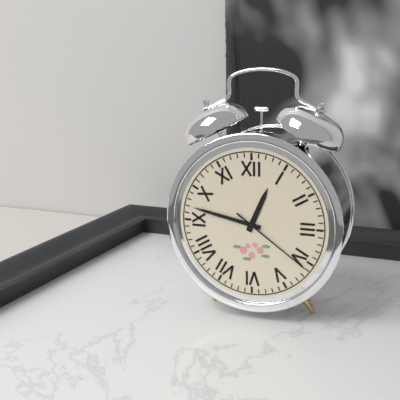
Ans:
12 h 47 min 21 s
